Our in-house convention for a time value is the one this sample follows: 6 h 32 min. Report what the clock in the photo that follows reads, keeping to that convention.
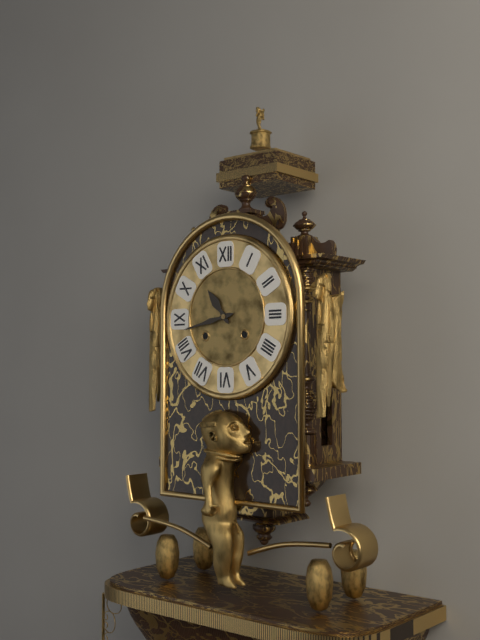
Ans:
10 h 43 min
